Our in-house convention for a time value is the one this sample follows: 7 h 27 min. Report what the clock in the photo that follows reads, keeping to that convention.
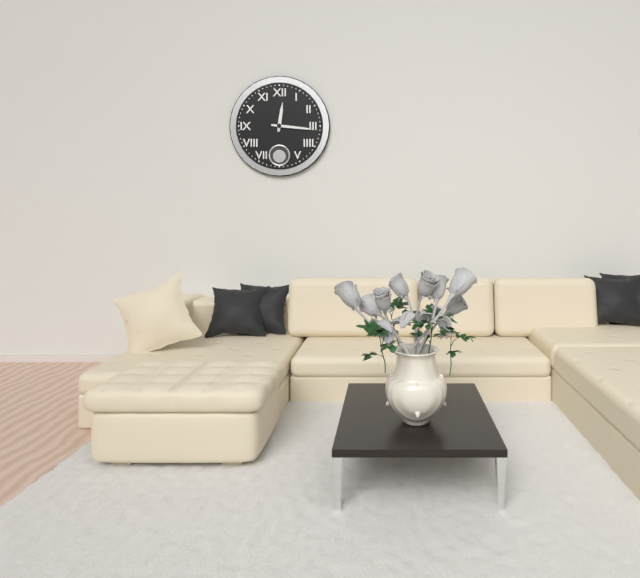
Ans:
12 h 16 min
